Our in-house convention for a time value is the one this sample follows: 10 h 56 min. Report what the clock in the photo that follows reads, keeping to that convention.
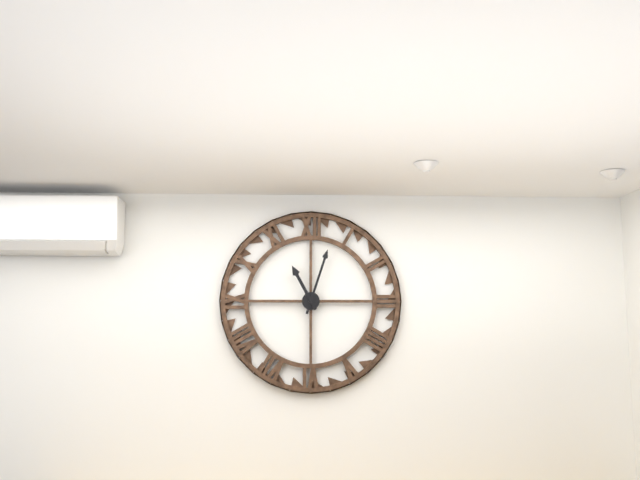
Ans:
11 h 03 min
